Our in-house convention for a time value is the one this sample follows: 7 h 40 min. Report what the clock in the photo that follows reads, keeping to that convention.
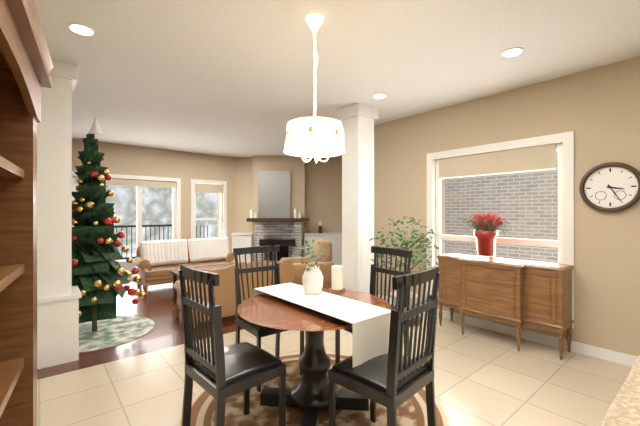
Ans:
3 h 25 min
